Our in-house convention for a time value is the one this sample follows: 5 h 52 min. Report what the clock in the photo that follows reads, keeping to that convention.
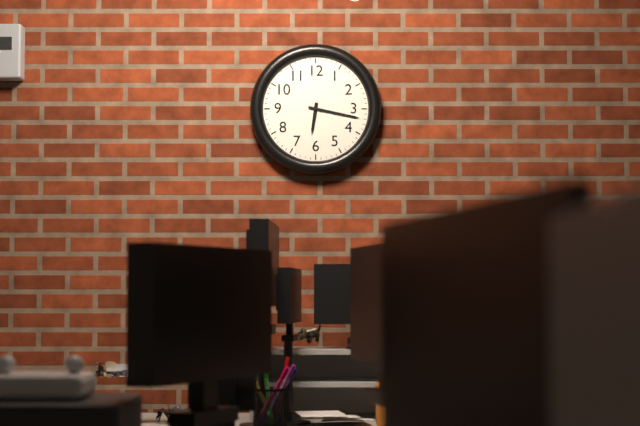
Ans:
6 h 17 min
